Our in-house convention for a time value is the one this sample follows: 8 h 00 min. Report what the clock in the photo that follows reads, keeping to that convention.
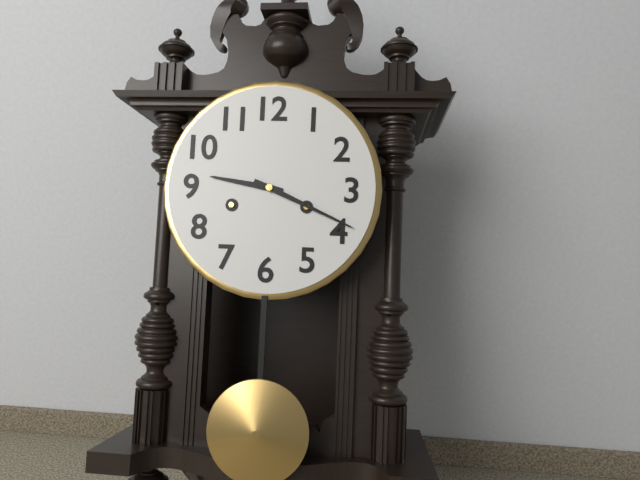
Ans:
9 h 19 min
